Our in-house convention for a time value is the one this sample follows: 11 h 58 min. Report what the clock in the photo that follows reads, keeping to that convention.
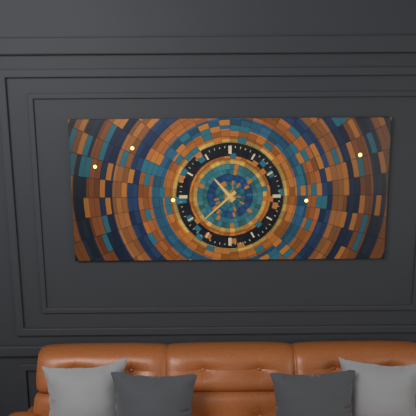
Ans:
10 h 38 min
